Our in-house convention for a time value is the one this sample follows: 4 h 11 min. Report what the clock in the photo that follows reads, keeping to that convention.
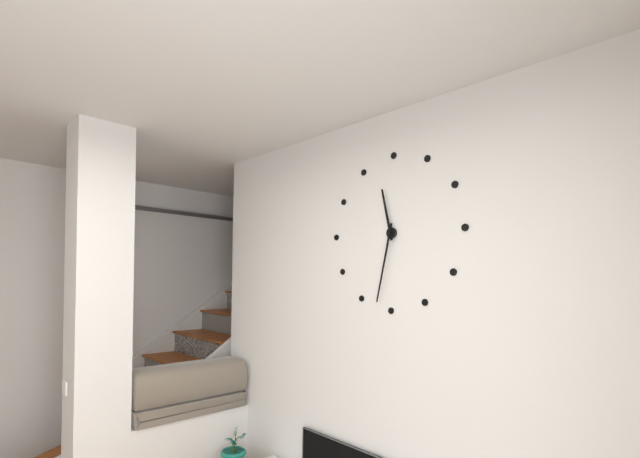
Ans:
11 h 32 min
